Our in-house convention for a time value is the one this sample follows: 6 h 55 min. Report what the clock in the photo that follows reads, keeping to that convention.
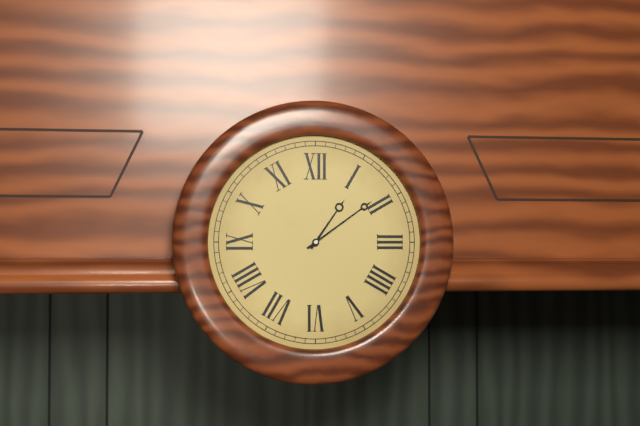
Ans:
1 h 09 min
